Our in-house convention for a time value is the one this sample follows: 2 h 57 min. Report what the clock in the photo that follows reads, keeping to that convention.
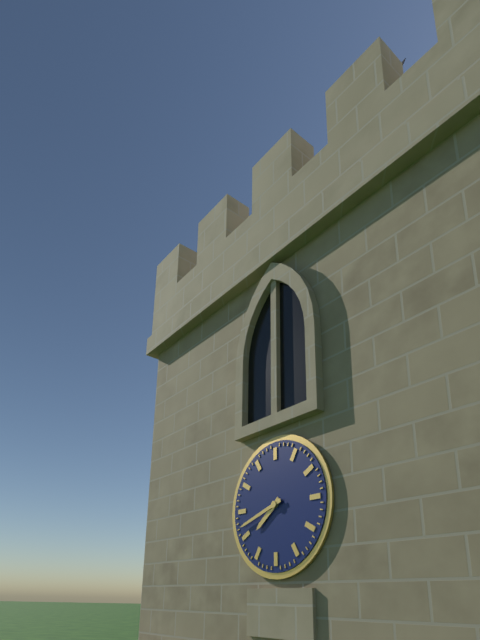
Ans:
7 h 42 min
